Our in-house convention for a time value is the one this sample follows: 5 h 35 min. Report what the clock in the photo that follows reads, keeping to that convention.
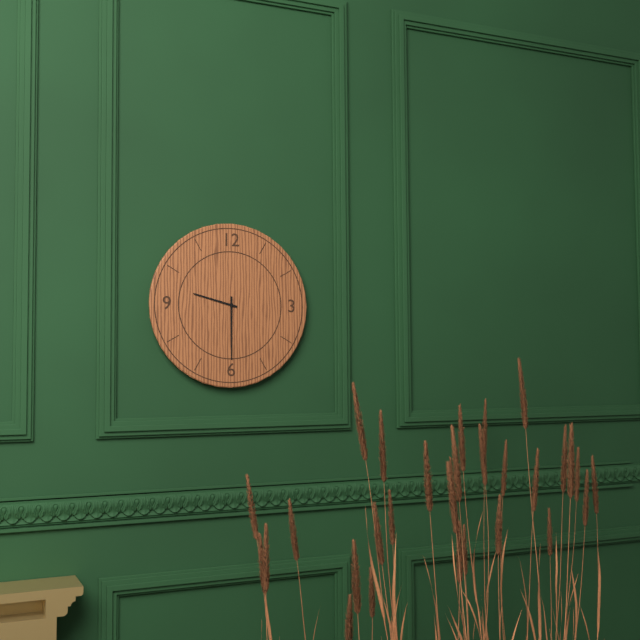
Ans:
9 h 30 min
